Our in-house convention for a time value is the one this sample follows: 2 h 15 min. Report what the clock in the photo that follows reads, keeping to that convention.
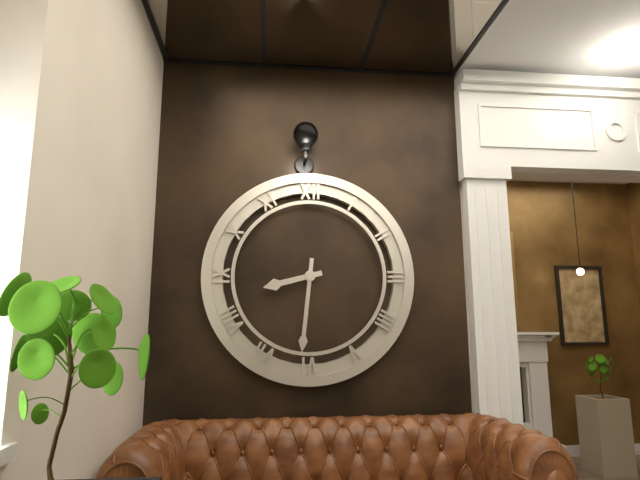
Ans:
8 h 31 min
